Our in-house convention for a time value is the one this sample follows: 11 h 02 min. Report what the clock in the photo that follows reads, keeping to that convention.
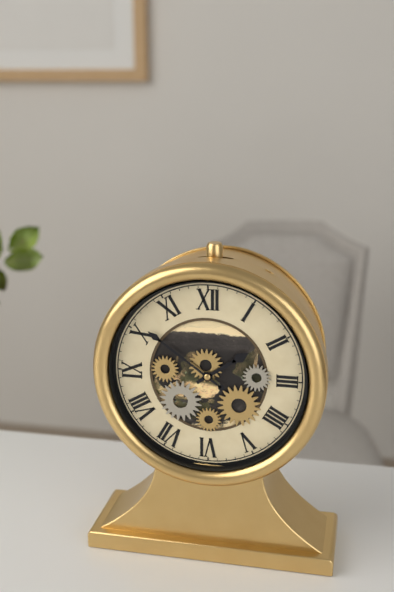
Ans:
1 h 51 min
